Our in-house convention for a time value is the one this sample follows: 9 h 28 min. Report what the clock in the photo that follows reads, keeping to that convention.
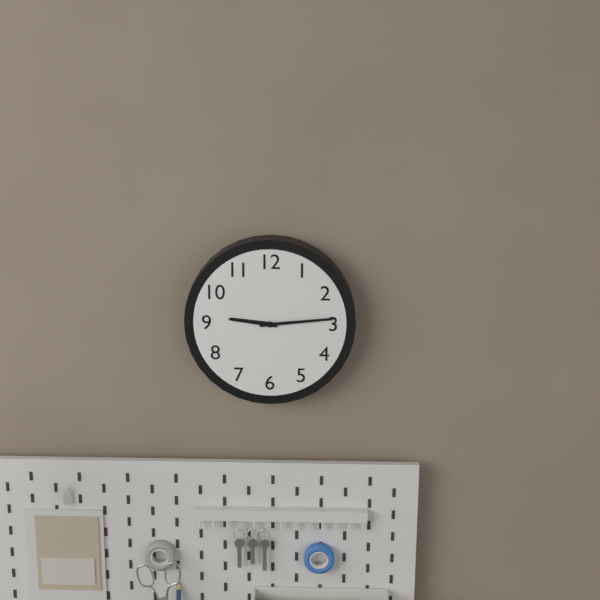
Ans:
9 h 14 min
